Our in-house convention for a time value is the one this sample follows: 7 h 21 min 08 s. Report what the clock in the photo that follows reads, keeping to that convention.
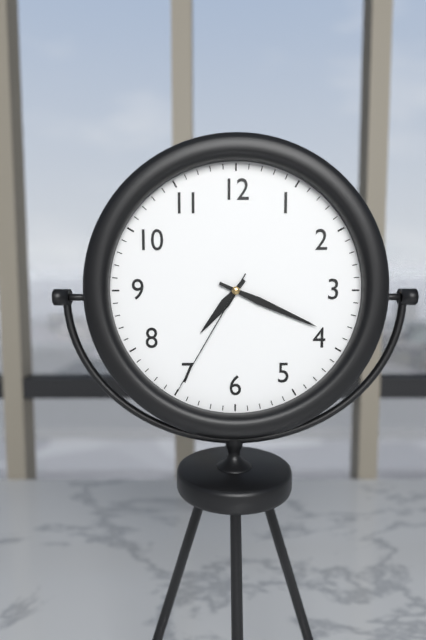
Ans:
7 h 19 min 35 s
